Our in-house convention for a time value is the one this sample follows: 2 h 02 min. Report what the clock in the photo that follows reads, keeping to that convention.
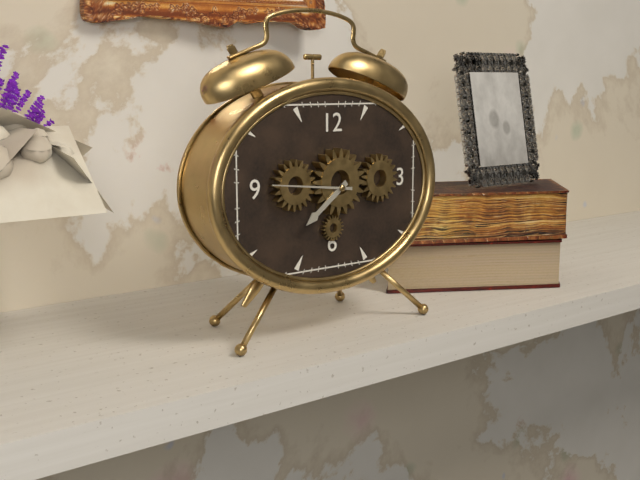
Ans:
7 h 46 min
